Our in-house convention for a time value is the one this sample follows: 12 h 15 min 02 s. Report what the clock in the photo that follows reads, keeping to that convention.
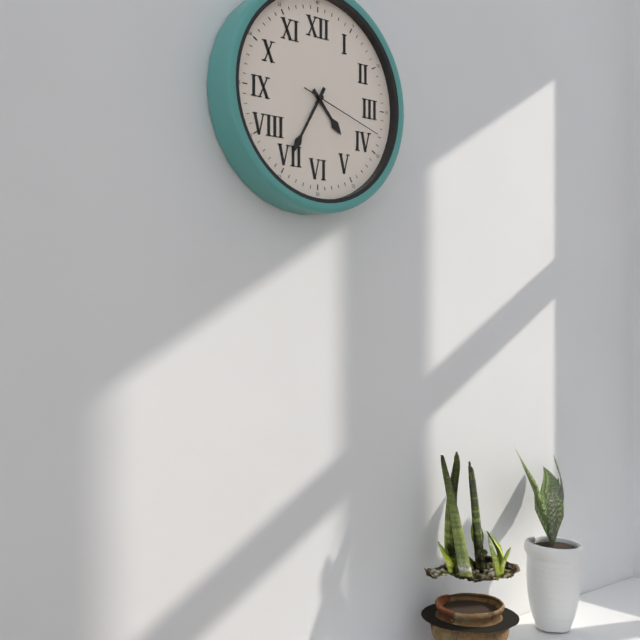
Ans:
4 h 35 min 18 s
